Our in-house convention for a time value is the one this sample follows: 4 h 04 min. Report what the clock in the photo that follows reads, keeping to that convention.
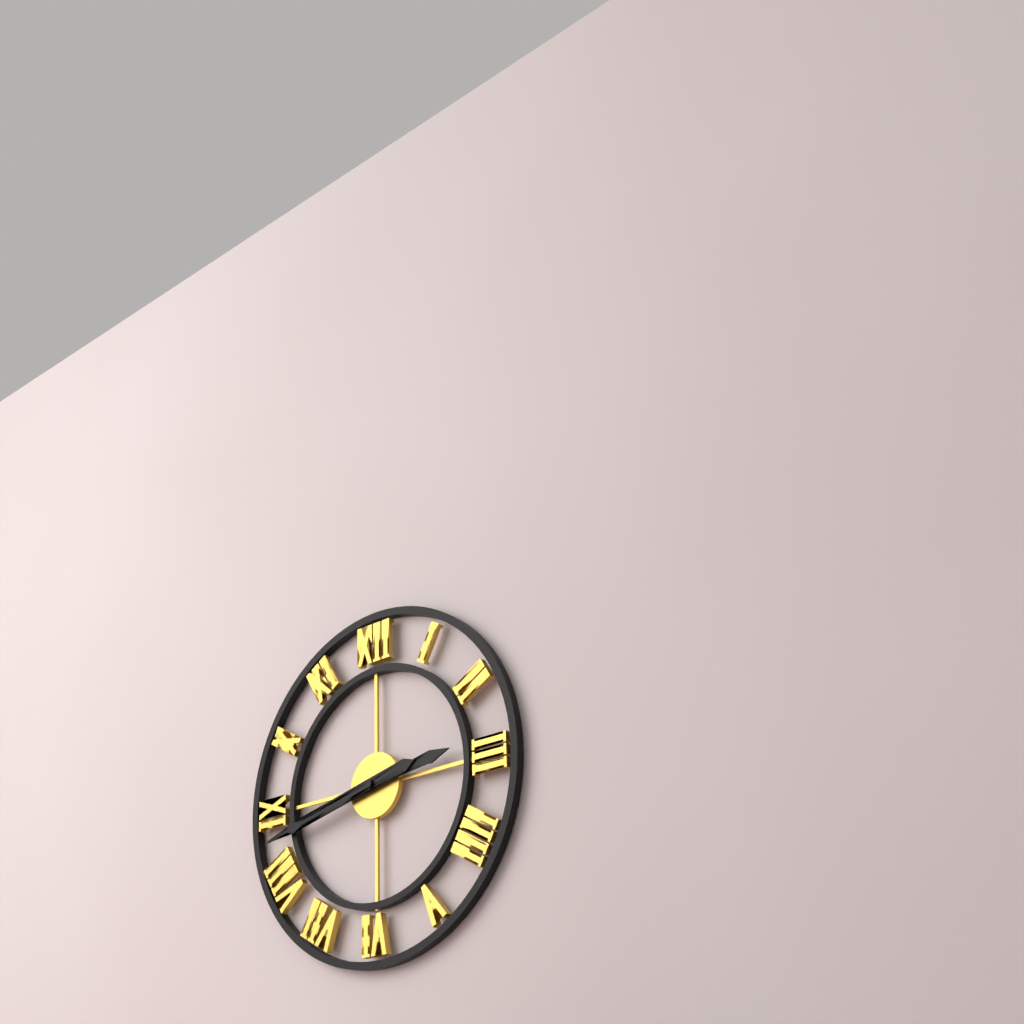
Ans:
2 h 43 min
